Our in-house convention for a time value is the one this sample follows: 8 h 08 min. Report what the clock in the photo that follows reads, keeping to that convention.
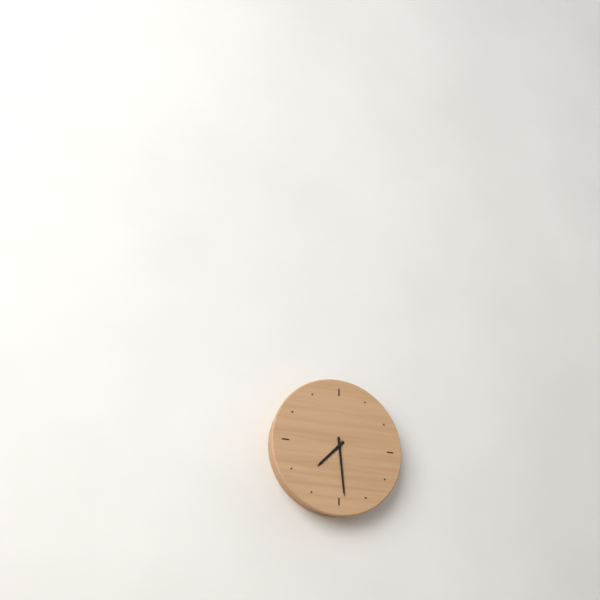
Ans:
7 h 29 min
